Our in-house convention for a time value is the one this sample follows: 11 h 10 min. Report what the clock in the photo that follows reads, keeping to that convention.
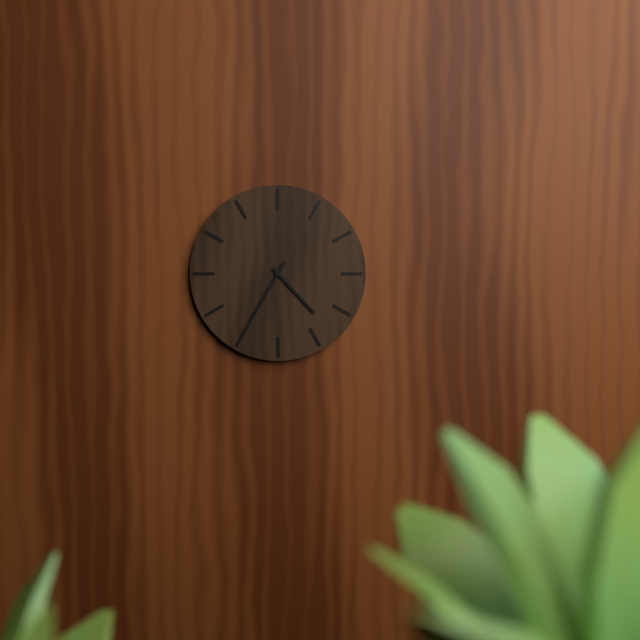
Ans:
4 h 35 min
